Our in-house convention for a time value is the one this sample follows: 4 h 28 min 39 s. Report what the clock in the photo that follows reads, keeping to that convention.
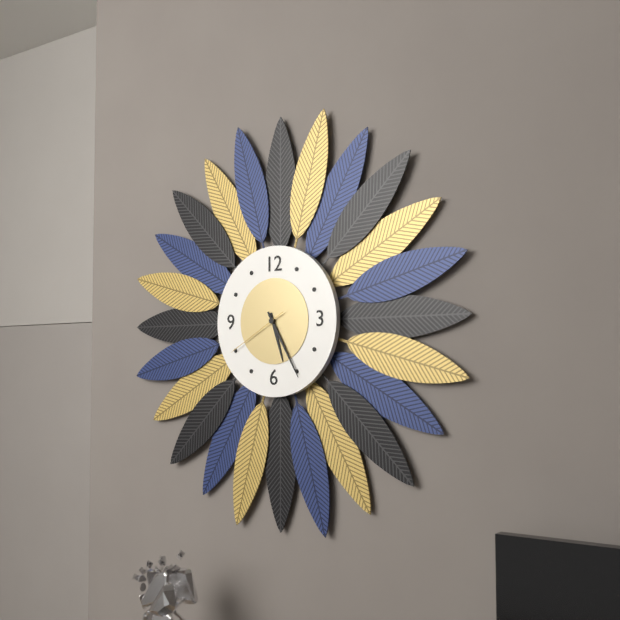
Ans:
5 h 25 min 40 s
